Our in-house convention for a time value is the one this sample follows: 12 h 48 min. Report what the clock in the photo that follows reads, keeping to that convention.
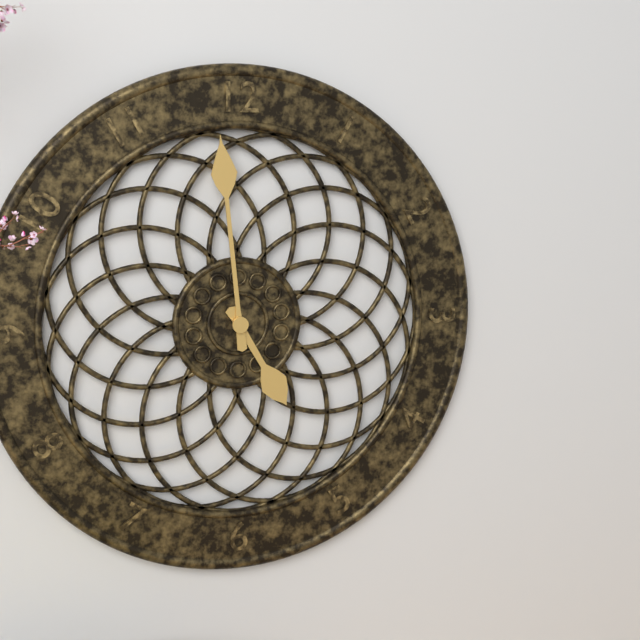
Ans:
4 h 59 min
